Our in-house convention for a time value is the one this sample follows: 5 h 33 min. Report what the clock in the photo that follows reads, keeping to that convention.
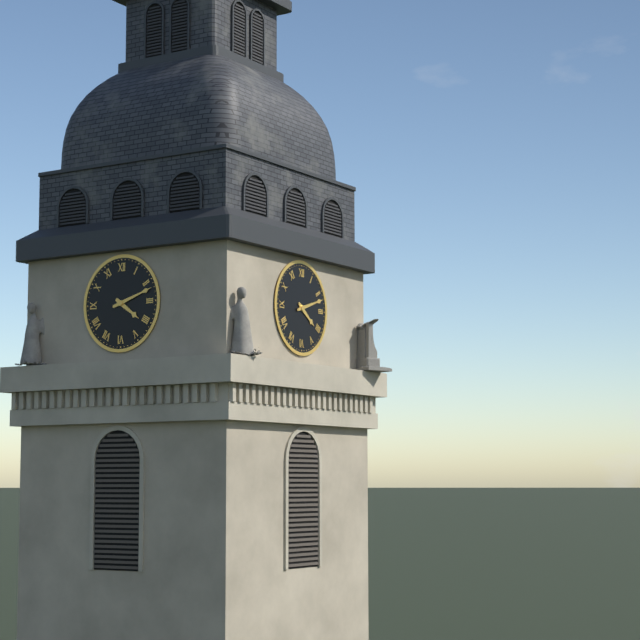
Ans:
4 h 12 min
